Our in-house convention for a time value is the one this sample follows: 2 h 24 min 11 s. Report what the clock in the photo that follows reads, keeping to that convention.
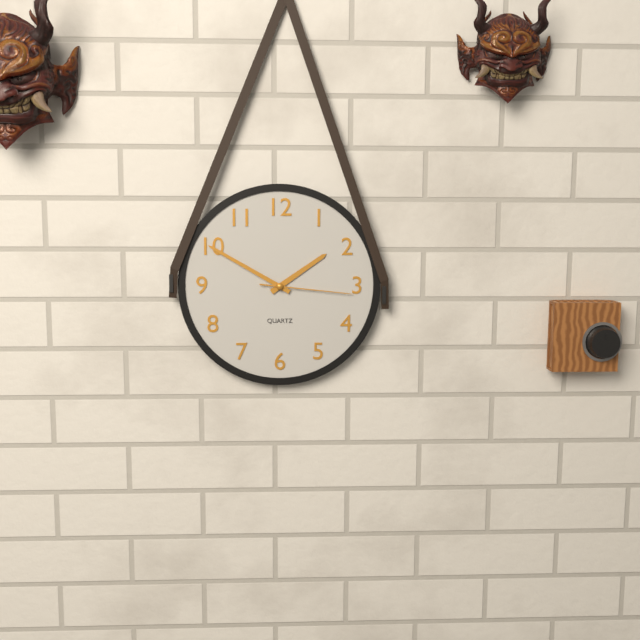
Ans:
1 h 50 min 16 s
